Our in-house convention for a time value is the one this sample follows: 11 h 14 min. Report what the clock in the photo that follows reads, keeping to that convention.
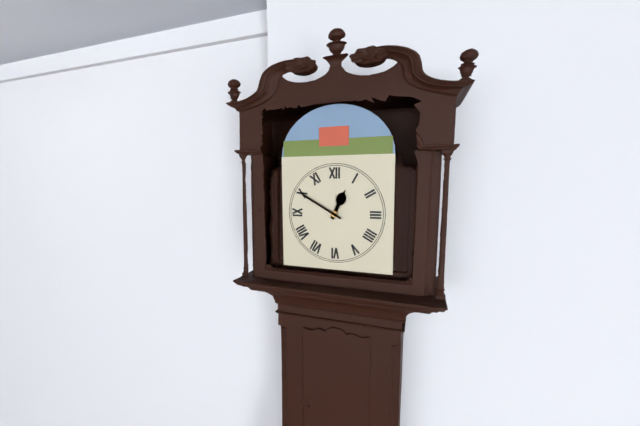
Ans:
12 h 50 min
